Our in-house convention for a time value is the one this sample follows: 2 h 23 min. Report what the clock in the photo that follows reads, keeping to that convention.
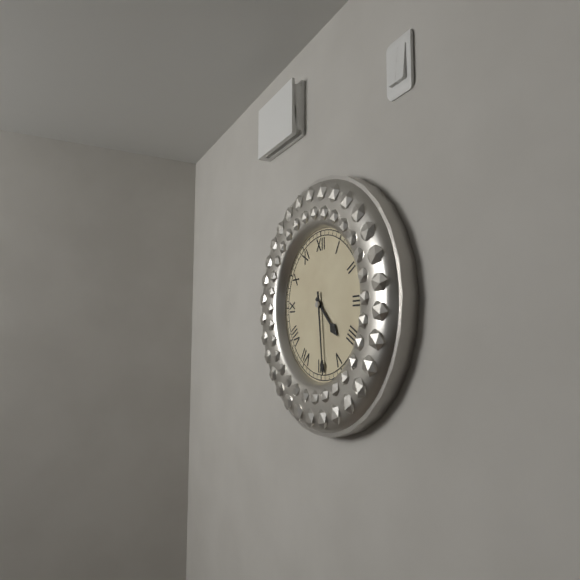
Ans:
4 h 29 min
